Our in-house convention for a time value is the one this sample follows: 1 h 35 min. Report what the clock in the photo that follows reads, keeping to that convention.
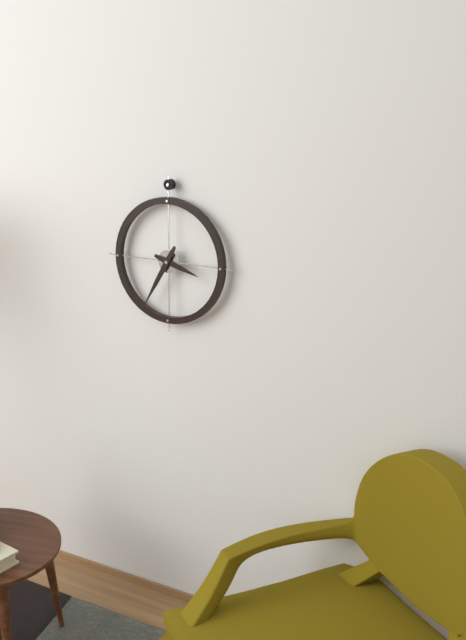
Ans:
3 h 35 min
